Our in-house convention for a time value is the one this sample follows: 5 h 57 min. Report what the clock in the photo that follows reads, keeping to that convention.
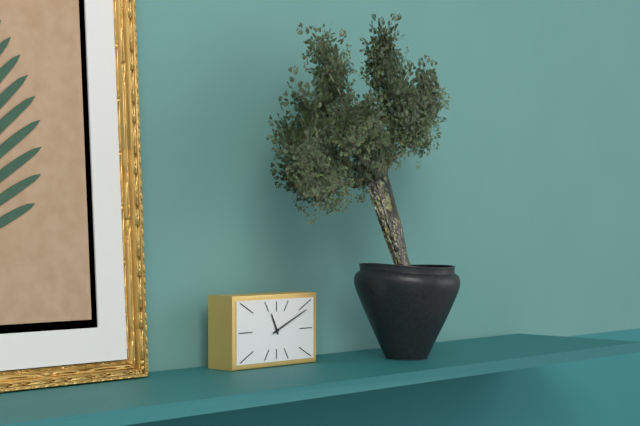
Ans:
11 h 11 min
